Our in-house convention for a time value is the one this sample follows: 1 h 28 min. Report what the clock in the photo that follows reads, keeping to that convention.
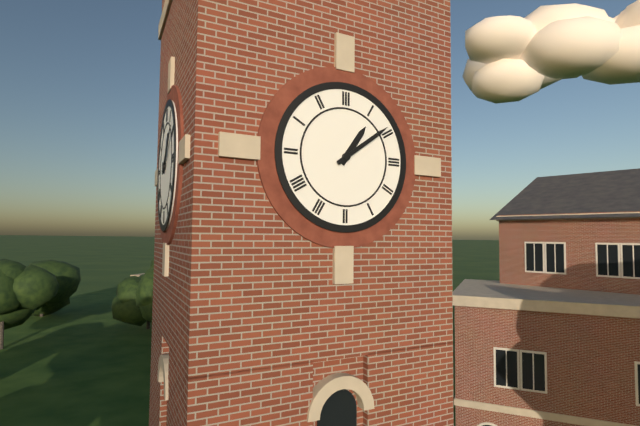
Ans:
1 h 09 min
